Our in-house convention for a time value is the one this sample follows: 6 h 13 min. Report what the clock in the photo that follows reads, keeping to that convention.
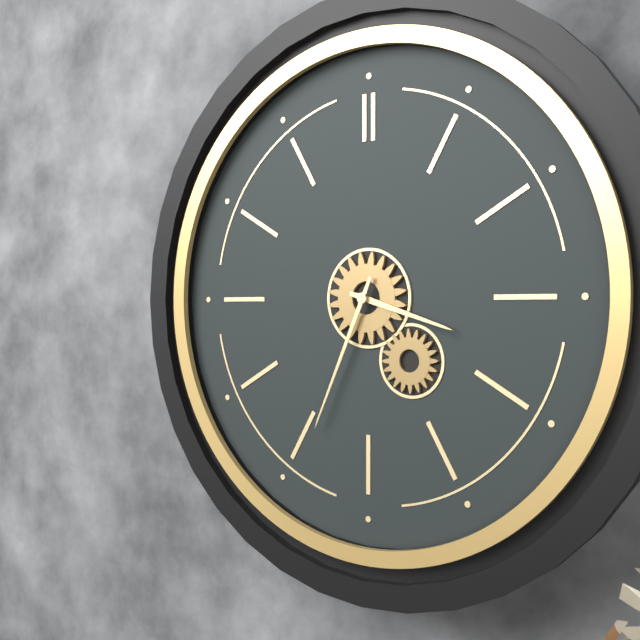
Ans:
3 h 34 min
